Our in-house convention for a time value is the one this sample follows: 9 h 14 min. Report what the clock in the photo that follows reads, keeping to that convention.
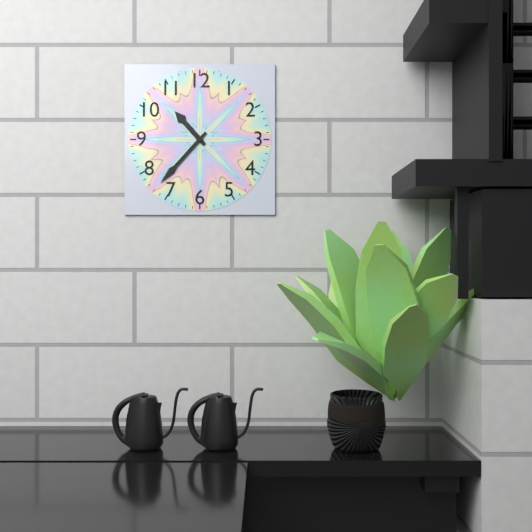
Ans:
10 h 37 min
